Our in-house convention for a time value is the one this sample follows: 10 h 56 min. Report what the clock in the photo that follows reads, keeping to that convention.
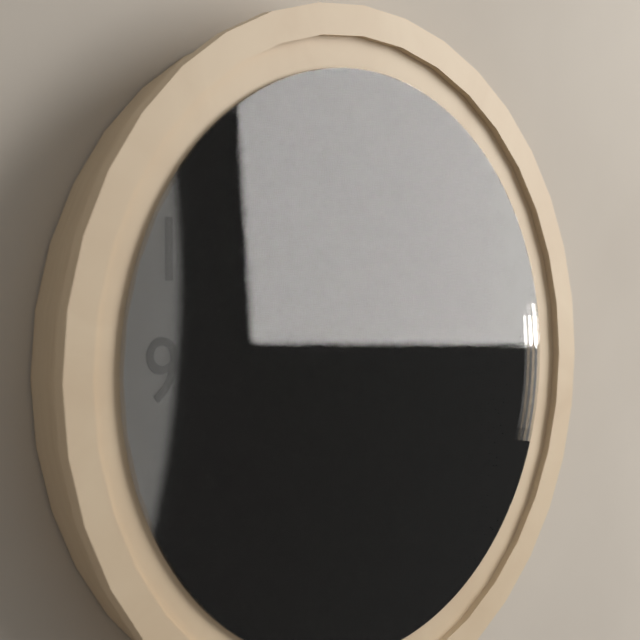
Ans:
9 h 01 min
